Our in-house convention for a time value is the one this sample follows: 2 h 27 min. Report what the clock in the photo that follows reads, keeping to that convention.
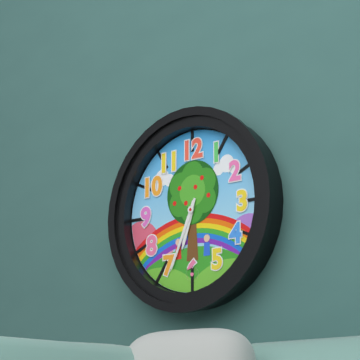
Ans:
6 h 34 min
